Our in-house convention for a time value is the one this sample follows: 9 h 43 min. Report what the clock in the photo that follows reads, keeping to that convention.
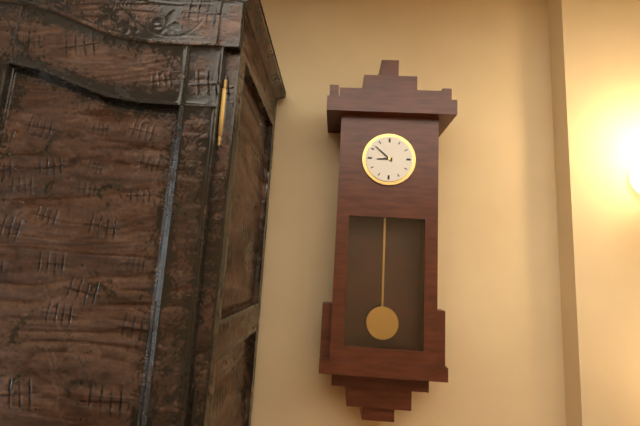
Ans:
8 h 52 min
